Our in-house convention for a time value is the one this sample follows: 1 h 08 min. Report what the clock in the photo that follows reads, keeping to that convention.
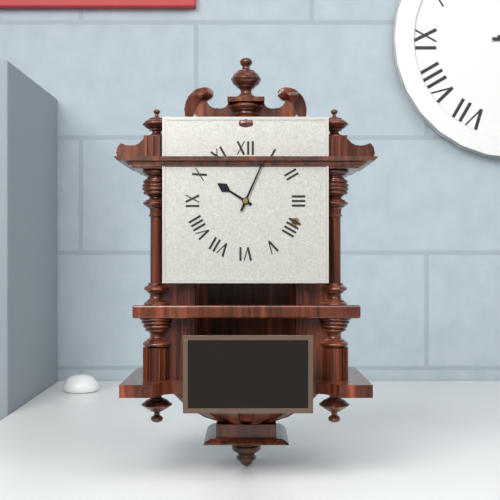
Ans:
10 h 04 min
